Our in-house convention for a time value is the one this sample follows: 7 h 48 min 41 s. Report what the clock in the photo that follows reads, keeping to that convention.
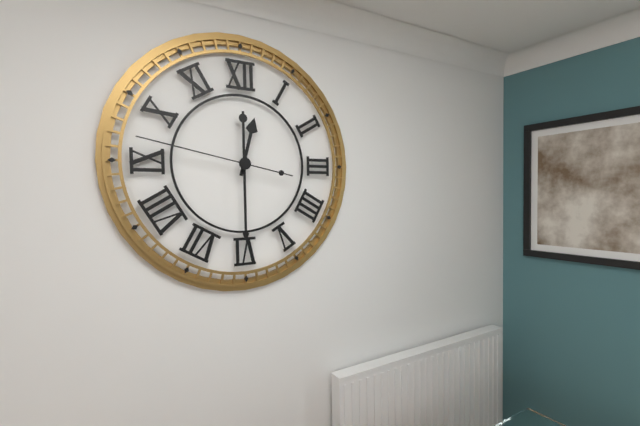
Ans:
12 h 30 min 47 s
